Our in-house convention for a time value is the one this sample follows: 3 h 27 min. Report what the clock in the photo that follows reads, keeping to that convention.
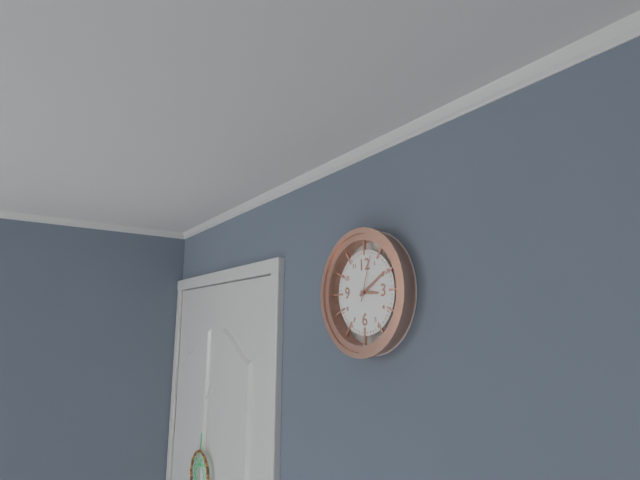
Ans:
3 h 10 min
